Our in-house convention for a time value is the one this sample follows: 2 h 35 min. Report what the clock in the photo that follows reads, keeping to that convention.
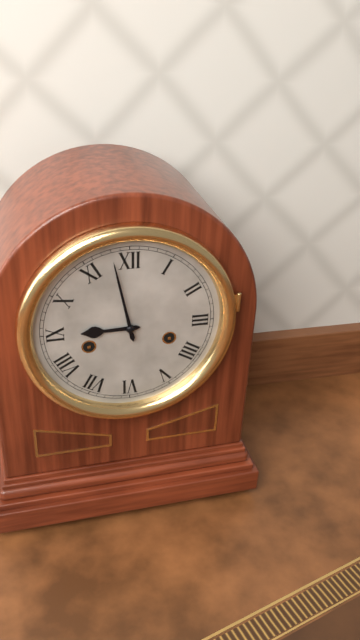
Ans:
8 h 58 min
